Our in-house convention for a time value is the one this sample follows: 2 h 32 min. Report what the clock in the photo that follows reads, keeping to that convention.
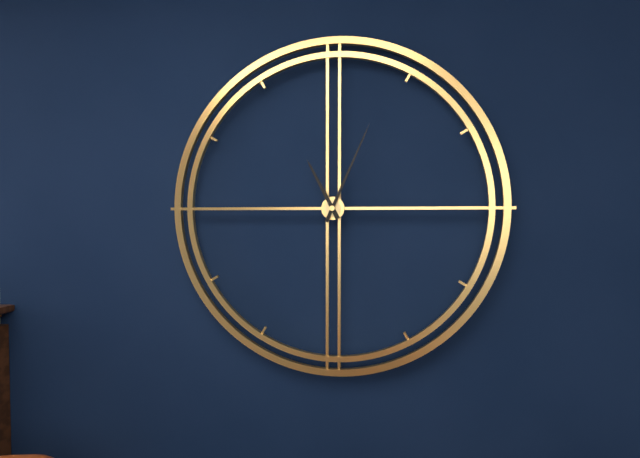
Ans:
11 h 04 min
